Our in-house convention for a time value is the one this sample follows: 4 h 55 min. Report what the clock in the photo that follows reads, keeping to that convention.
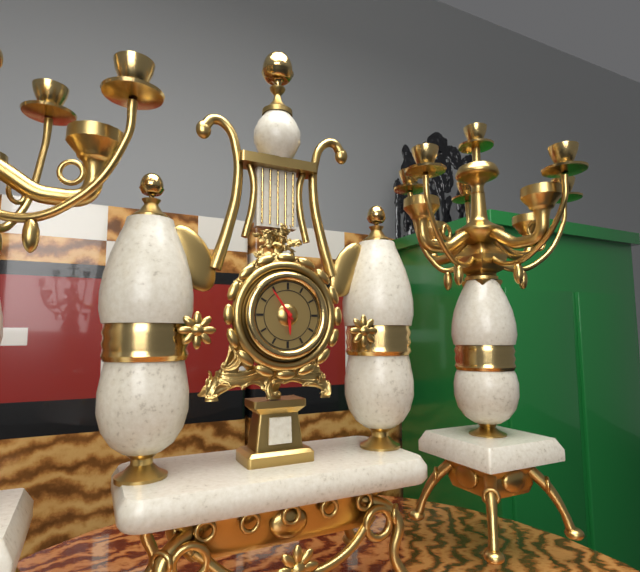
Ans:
5 h 54 min
